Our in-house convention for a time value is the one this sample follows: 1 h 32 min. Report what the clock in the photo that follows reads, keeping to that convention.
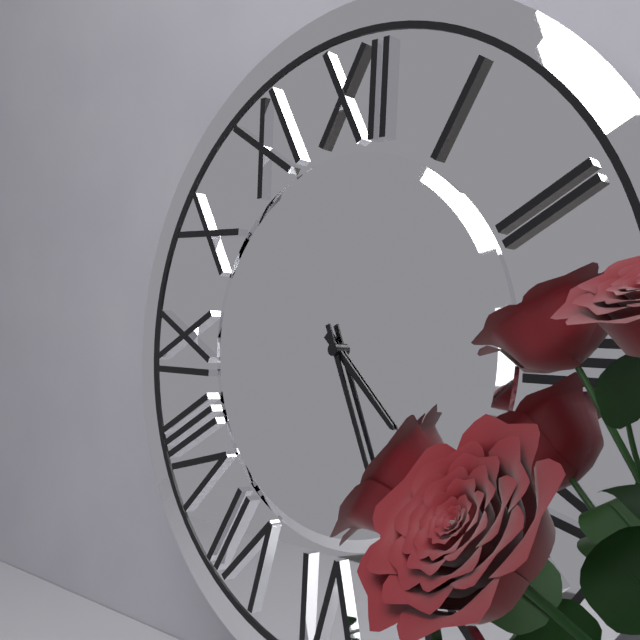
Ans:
4 h 26 min
